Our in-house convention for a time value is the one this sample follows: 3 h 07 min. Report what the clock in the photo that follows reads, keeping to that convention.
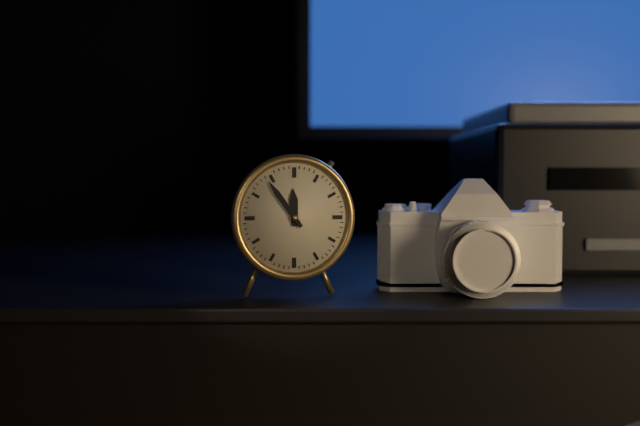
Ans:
11 h 54 min
